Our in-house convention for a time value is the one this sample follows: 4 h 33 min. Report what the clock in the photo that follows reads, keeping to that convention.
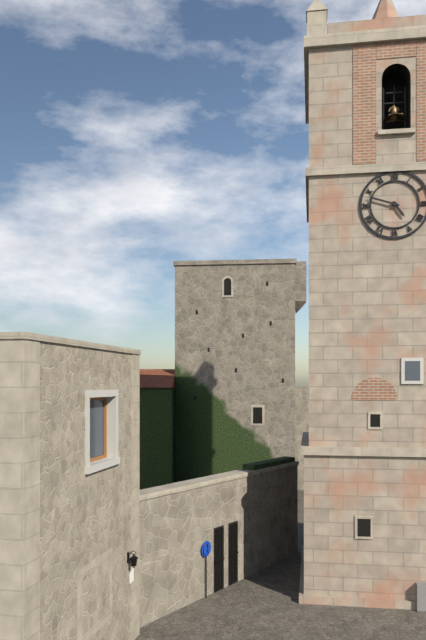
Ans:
4 h 48 min
